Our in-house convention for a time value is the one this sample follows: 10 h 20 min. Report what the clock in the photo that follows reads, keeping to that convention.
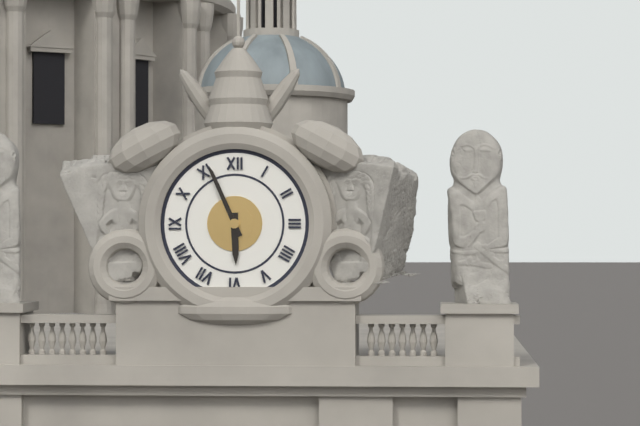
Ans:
5 h 56 min
